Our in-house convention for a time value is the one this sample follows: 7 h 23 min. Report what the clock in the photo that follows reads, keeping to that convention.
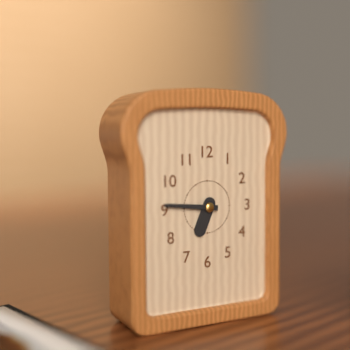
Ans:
6 h 46 min
